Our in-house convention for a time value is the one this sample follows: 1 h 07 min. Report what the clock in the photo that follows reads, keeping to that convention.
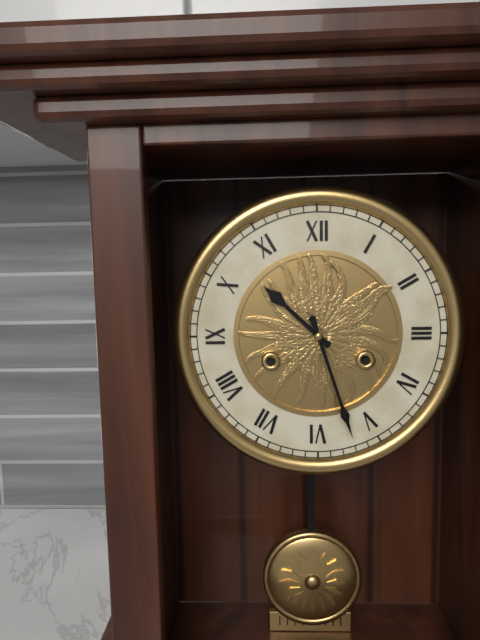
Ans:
10 h 27 min
